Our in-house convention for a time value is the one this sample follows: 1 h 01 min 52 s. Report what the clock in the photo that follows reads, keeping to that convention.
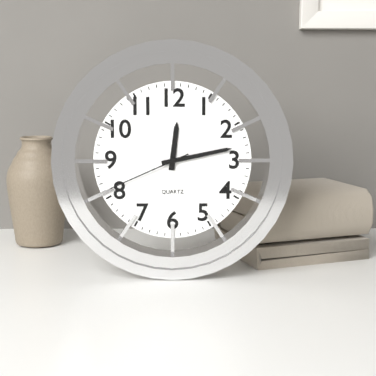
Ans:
12 h 13 min 41 s
